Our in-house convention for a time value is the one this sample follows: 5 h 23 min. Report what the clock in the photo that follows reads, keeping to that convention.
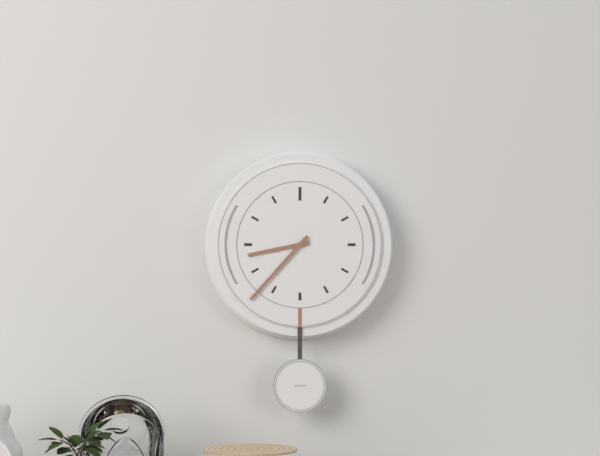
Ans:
8 h 37 min
